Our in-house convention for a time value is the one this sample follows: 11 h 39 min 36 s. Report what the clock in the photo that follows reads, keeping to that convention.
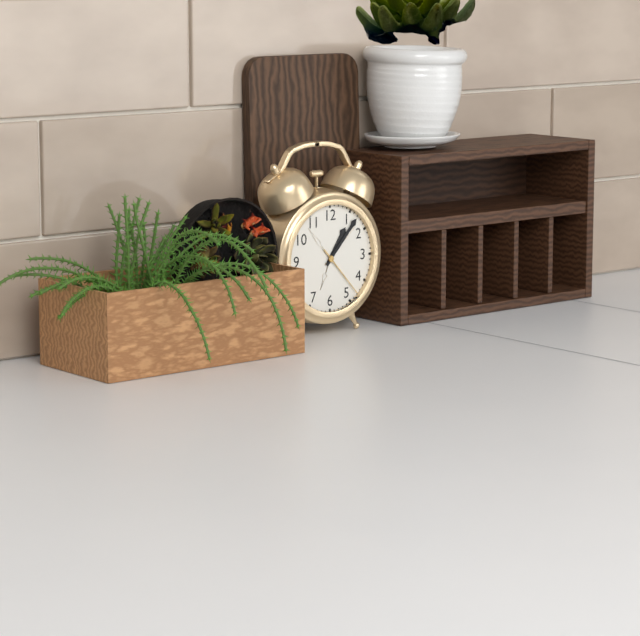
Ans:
1 h 07 min 23 s
